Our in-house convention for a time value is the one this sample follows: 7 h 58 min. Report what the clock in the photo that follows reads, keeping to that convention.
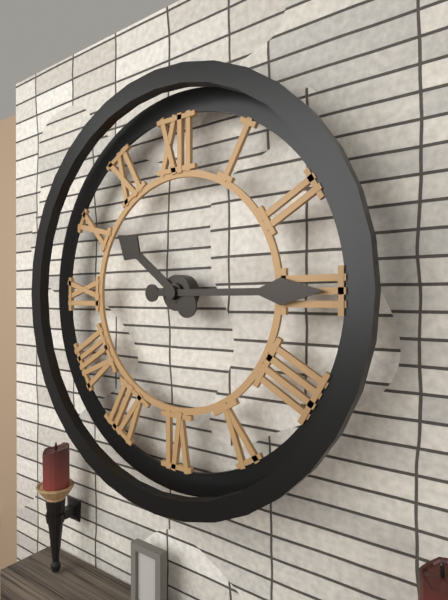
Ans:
10 h 15 min
